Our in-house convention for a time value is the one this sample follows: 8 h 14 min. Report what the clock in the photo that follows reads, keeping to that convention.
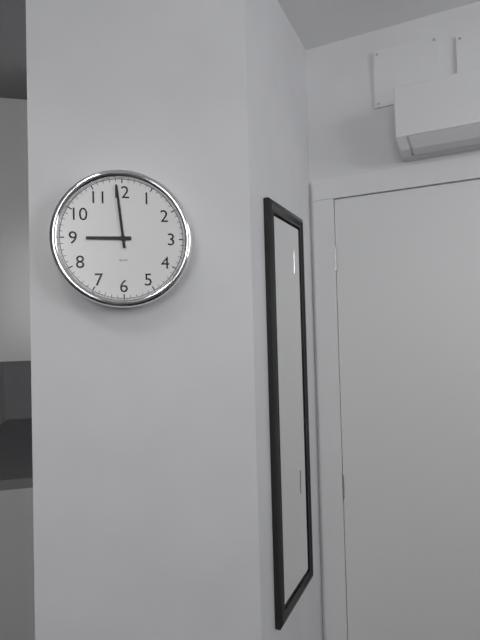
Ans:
8 h 59 min
